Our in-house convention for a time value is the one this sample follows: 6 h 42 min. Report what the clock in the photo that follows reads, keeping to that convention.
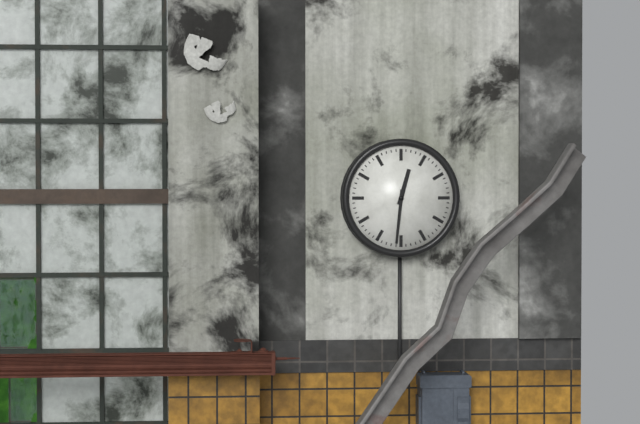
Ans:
12 h 31 min
